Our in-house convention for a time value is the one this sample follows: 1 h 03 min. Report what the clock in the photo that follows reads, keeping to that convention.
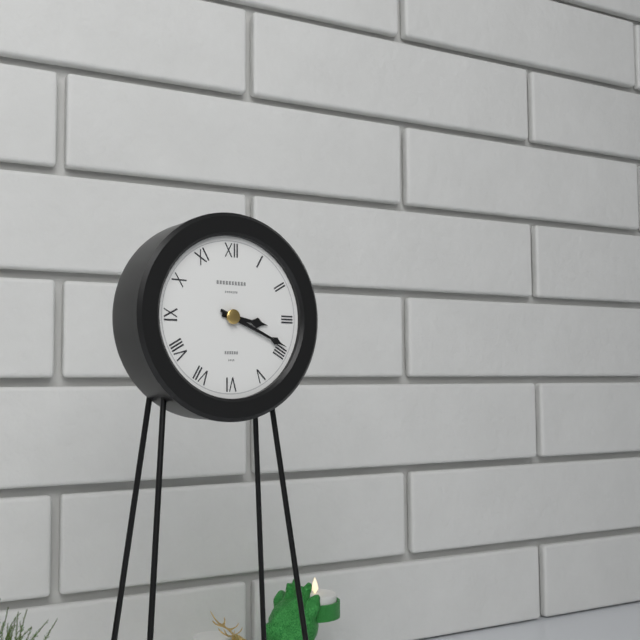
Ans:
3 h 19 min
